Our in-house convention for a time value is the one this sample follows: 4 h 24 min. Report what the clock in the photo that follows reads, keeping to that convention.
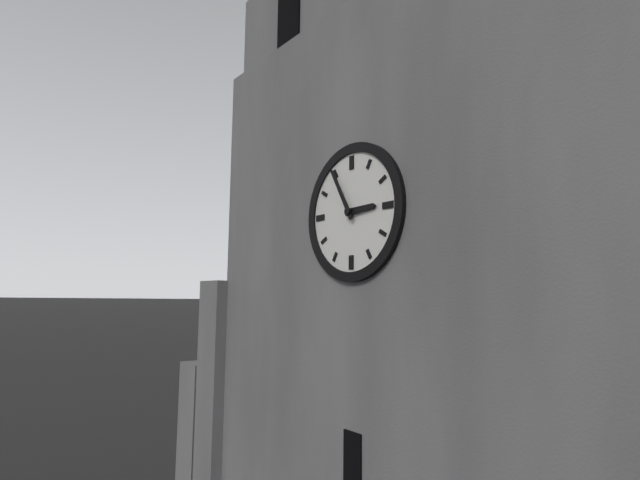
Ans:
2 h 55 min
